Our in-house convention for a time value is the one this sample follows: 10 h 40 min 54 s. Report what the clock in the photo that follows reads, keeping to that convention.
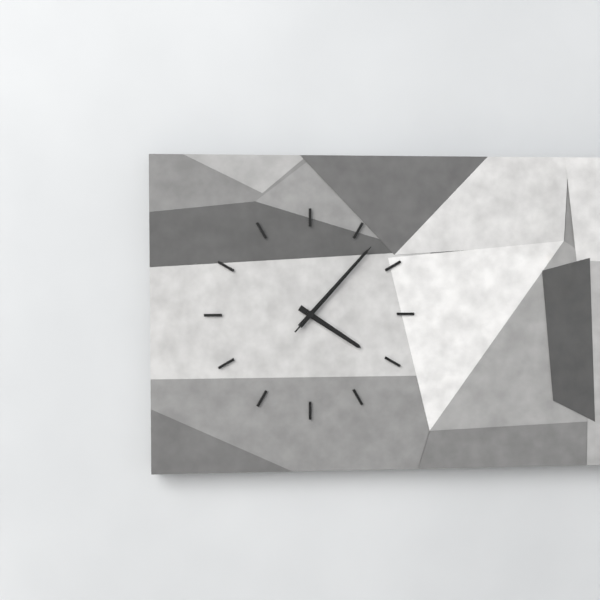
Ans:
4 h 07 min 07 s
